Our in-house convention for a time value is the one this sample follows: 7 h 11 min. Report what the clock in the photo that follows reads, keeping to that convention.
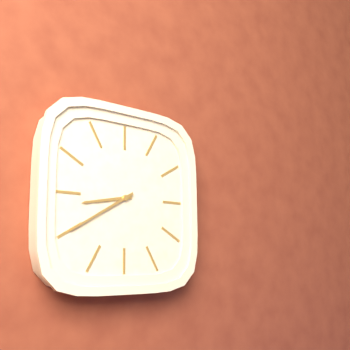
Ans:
8 h 40 min
